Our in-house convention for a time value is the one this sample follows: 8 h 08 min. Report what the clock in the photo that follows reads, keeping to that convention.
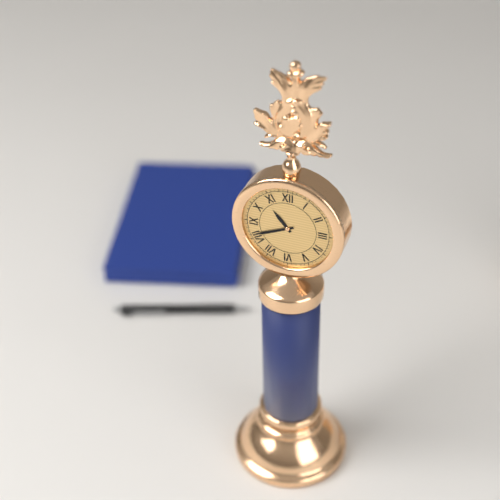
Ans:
10 h 41 min
